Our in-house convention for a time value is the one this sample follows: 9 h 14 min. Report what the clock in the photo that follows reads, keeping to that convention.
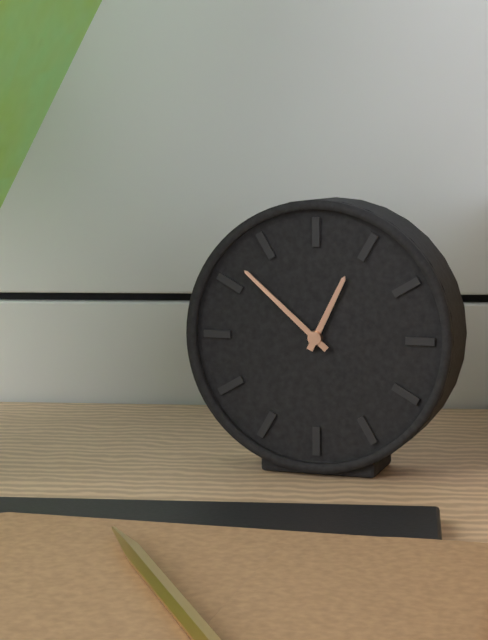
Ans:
12 h 52 min
